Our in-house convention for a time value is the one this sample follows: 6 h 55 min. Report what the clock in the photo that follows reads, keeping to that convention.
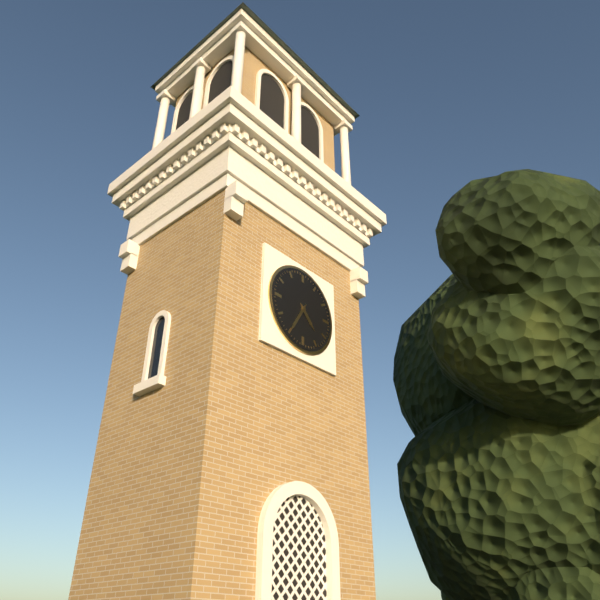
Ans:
4 h 35 min
